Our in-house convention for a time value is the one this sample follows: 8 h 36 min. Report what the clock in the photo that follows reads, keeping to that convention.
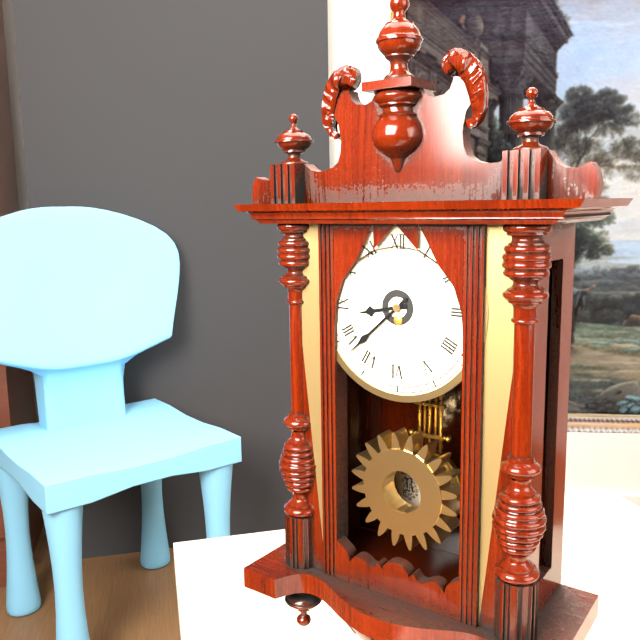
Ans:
8 h 38 min
